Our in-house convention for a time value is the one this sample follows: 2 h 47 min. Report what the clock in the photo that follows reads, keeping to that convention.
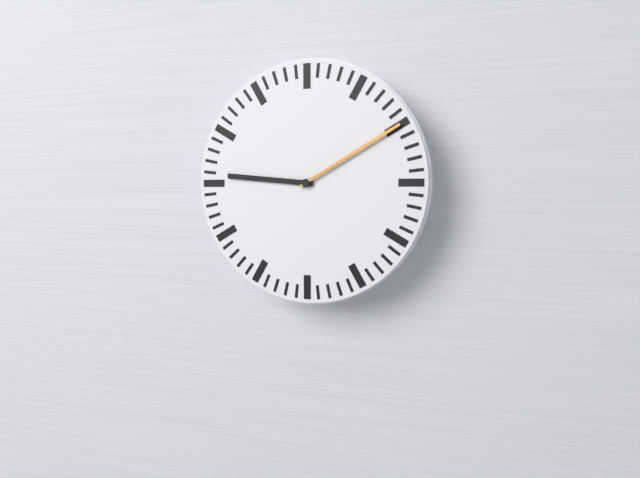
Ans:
9 h 10 min
